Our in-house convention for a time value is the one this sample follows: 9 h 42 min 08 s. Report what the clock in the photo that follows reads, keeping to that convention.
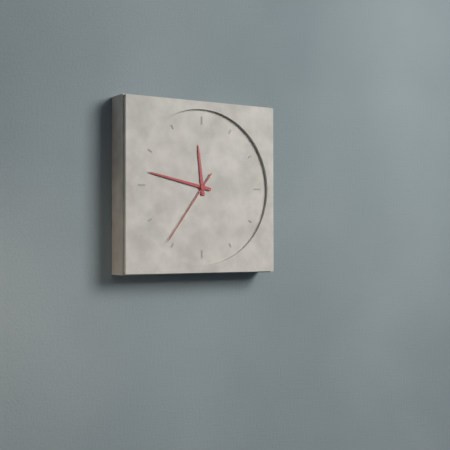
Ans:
11 h 47 min 36 s
